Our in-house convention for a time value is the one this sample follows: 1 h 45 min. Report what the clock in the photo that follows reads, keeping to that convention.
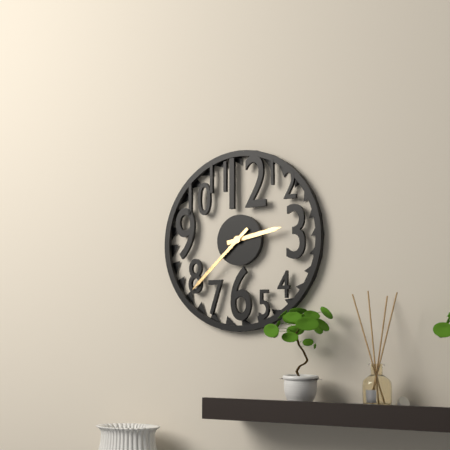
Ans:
2 h 38 min
